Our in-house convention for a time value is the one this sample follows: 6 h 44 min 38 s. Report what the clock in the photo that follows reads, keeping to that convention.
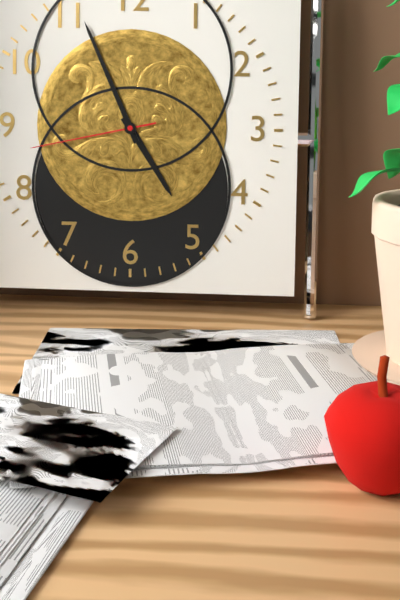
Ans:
4 h 56 min 43 s
